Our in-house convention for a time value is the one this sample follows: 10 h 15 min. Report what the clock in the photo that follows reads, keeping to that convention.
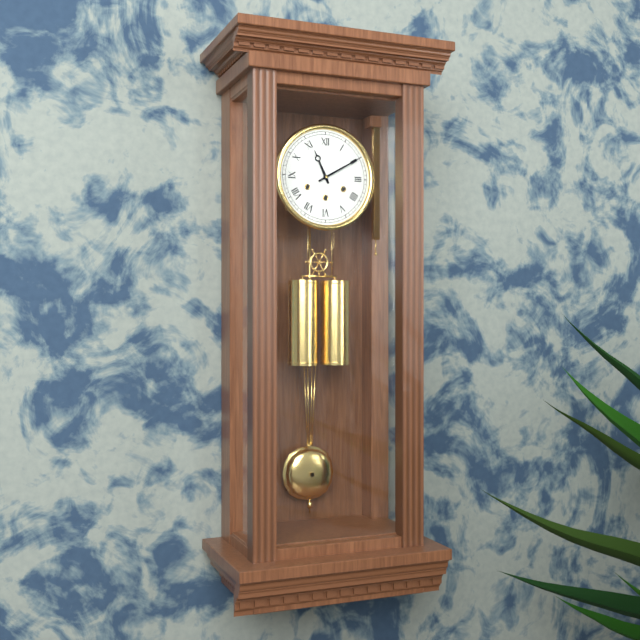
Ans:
11 h 10 min
